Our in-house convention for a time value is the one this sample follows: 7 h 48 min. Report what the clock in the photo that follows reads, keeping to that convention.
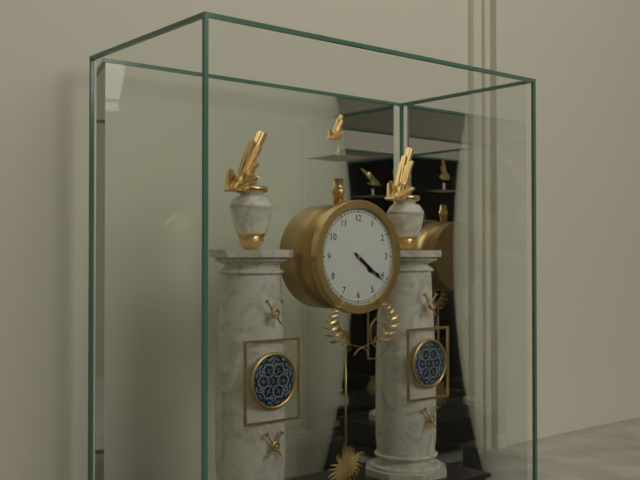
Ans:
4 h 21 min
